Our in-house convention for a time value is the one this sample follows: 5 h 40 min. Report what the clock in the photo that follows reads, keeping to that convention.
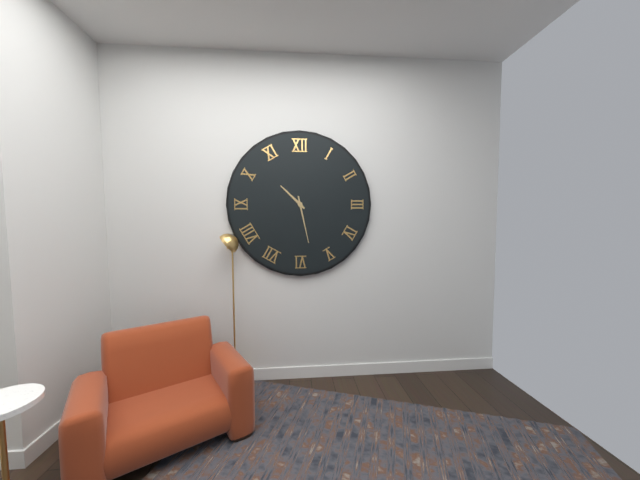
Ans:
10 h 28 min
